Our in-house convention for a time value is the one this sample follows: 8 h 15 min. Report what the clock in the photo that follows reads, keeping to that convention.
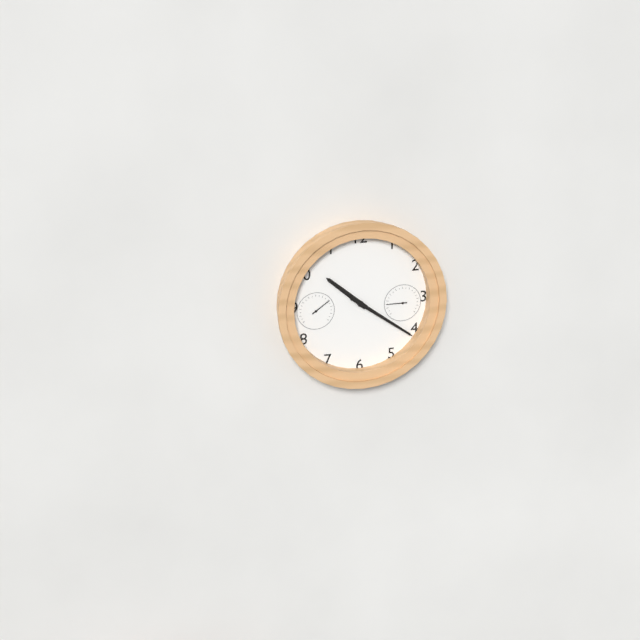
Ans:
10 h 21 min
